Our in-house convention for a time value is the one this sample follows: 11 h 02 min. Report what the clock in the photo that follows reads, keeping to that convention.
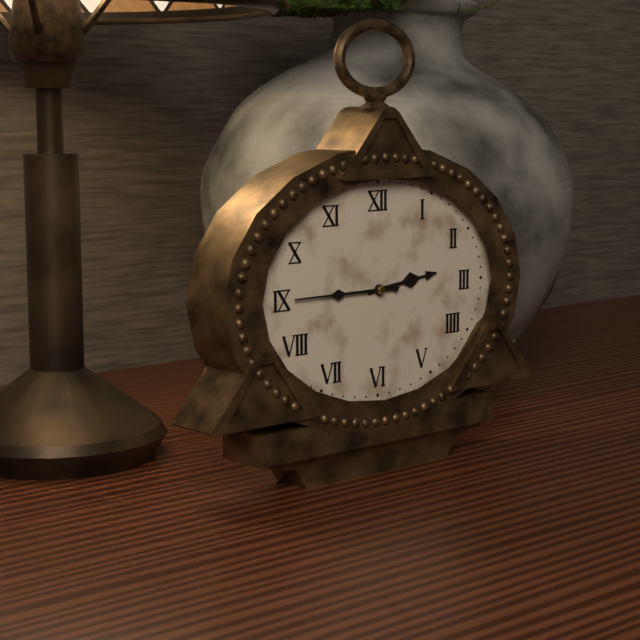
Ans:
2 h 45 min
